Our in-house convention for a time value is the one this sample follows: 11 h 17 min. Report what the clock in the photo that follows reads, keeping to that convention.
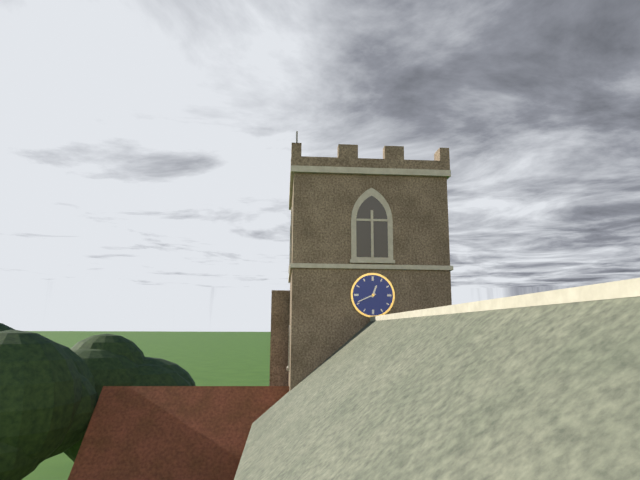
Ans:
12 h 41 min
